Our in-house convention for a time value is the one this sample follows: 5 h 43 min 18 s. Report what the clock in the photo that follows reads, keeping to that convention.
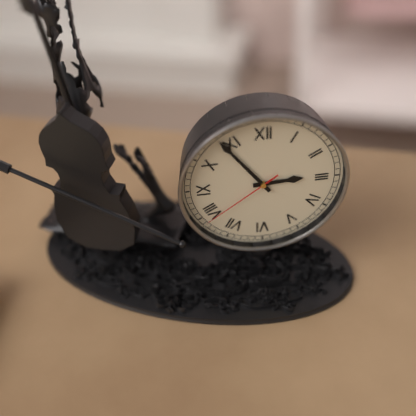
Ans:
2 h 54 min 39 s
